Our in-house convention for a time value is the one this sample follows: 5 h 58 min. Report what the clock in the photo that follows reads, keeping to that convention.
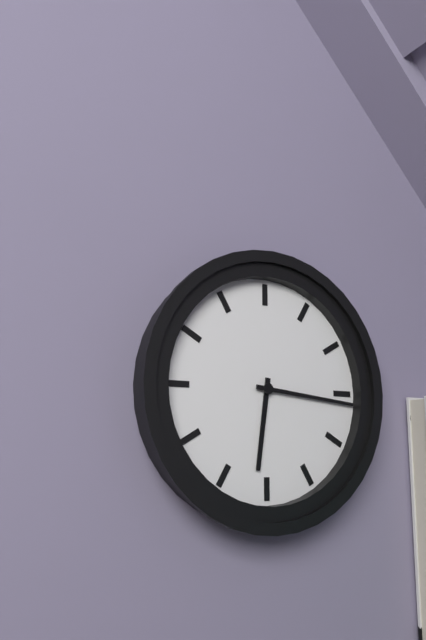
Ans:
6 h 16 min
